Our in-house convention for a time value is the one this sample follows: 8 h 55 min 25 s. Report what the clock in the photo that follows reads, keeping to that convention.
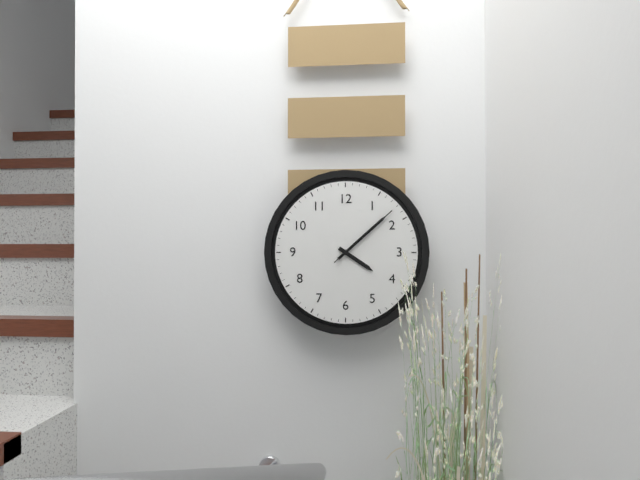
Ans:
4 h 08 min 08 s
